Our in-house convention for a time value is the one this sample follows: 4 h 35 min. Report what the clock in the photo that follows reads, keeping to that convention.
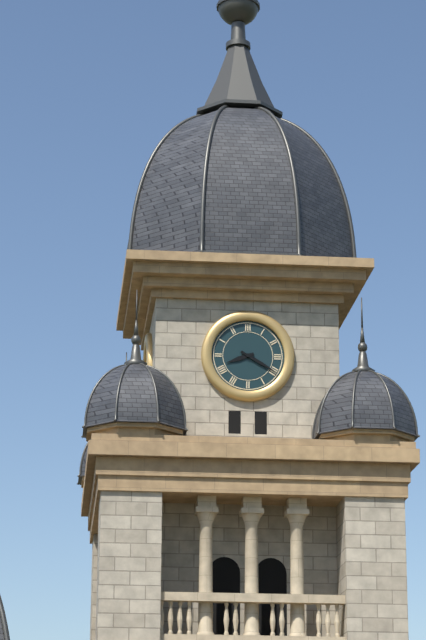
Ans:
8 h 20 min
